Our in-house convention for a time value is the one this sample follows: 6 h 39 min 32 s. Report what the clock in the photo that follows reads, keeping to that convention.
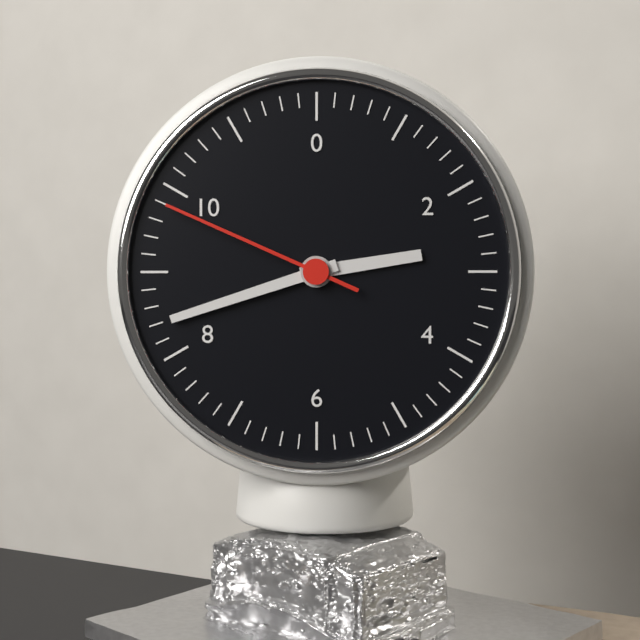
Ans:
2 h 42 min 49 s
